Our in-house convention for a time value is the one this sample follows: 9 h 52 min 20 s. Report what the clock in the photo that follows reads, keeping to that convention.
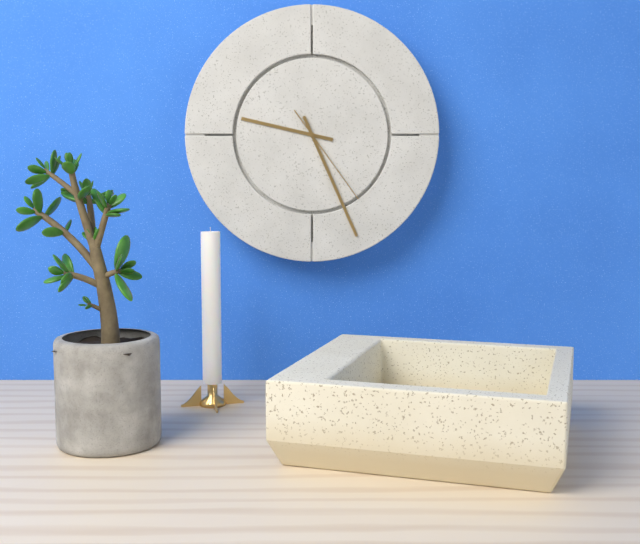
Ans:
9 h 26 min 24 s
